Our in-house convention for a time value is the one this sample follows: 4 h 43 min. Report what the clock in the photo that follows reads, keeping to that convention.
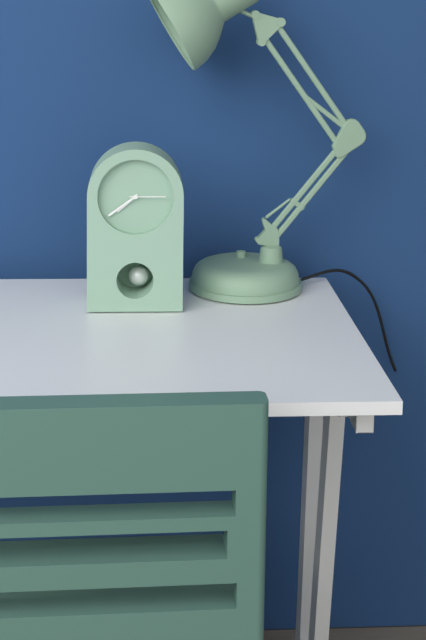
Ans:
7 h 39 min
